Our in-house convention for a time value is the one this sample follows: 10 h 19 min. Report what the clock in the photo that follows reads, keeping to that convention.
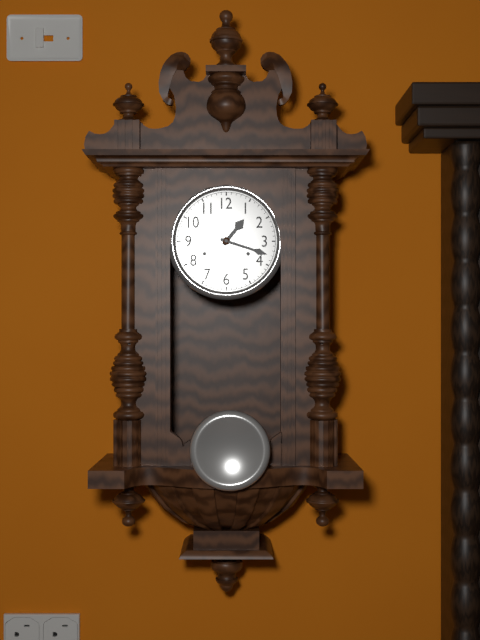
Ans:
1 h 18 min
